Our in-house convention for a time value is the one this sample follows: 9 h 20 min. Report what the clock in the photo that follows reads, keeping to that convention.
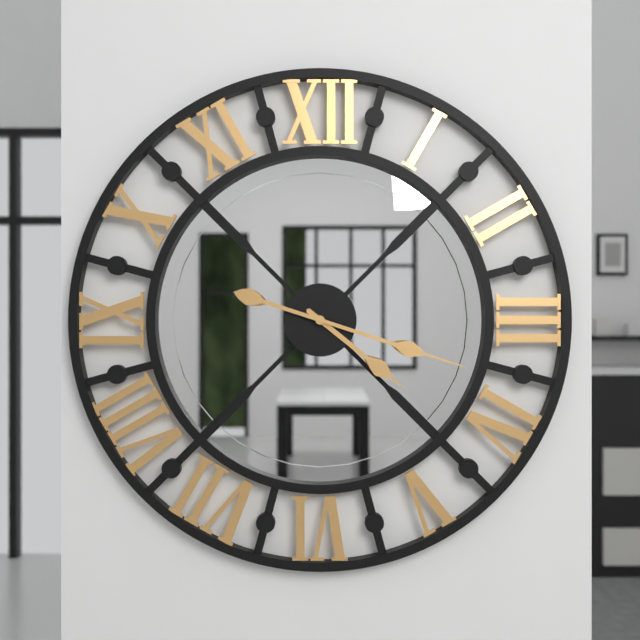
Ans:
4 h 18 min
